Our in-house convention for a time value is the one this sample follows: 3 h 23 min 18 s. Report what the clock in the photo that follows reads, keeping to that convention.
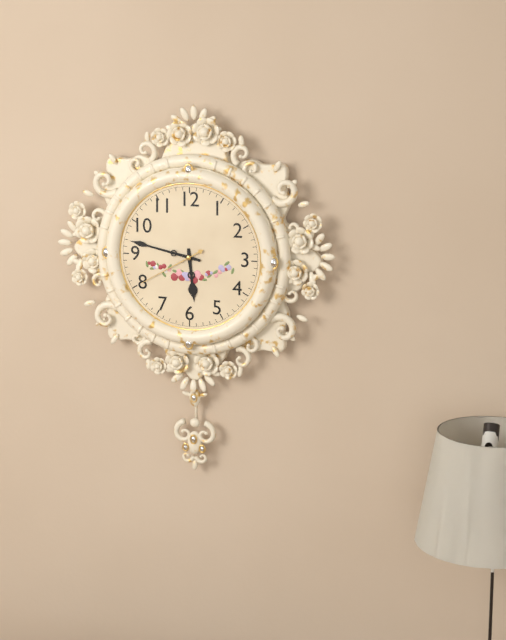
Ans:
5 h 47 min 40 s
